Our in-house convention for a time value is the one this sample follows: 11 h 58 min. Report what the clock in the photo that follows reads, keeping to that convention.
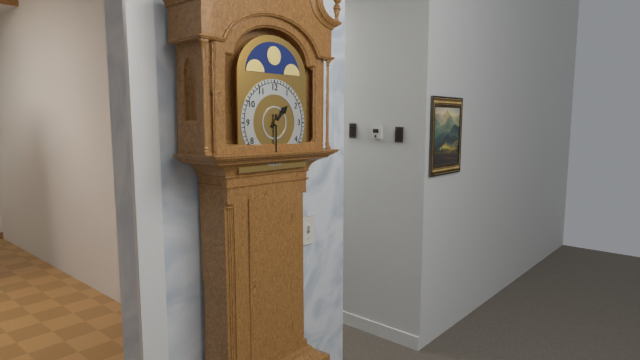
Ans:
1 h 30 min
